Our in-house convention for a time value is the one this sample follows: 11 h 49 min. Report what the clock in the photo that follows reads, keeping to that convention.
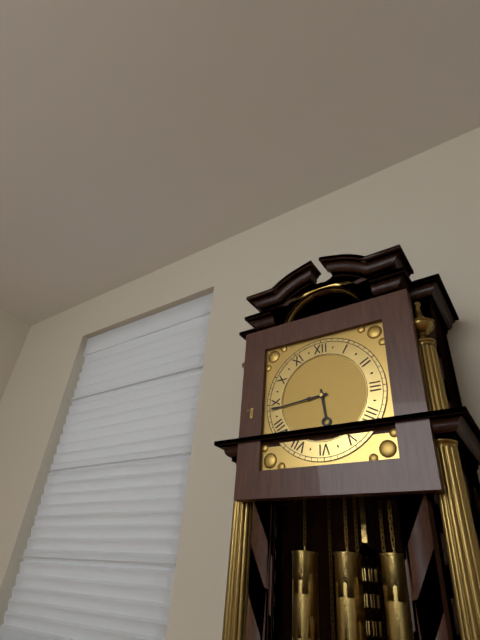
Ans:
5 h 44 min
